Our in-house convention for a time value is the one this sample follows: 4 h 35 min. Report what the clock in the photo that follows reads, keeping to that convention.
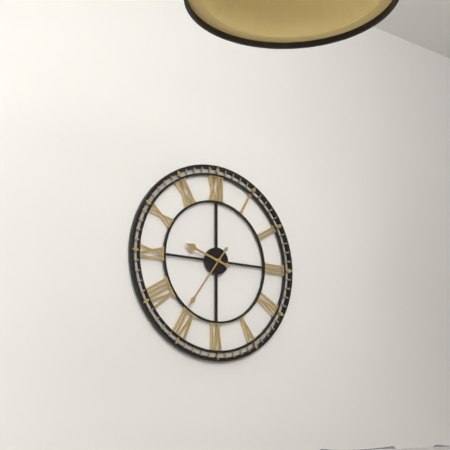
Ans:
9 h 36 min
